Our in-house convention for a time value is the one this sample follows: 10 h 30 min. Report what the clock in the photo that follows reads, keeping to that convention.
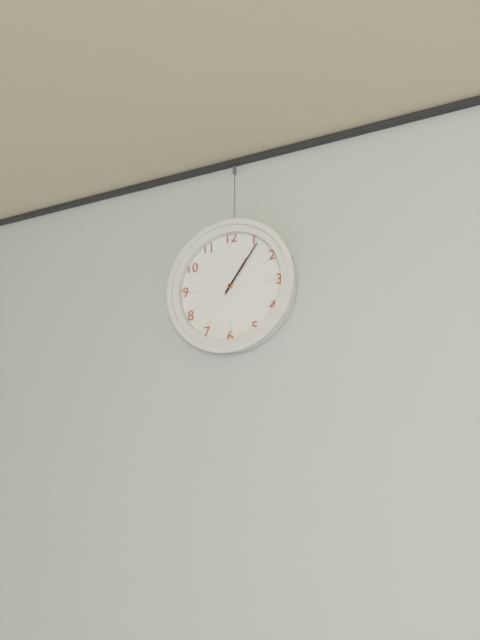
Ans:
1 h 06 min
